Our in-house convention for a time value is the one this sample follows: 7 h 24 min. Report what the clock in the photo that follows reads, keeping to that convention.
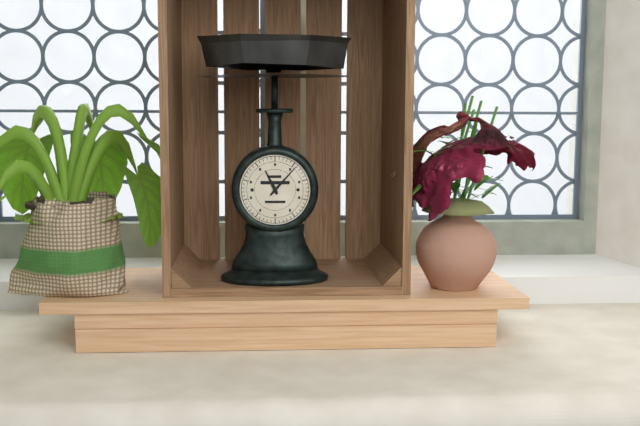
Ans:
11 h 07 min
